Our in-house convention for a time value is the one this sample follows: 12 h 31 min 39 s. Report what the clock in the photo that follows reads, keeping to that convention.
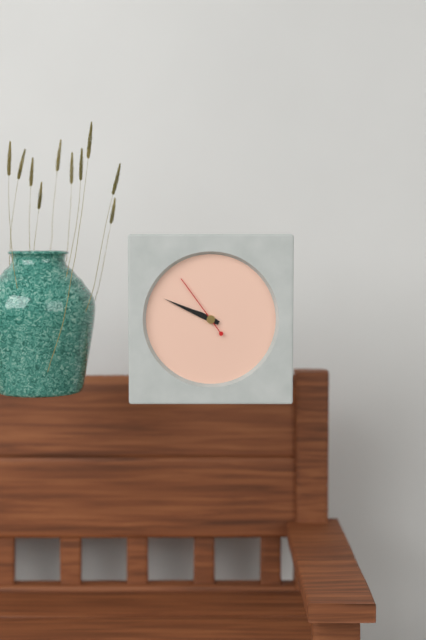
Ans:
9 h 49 min 54 s
